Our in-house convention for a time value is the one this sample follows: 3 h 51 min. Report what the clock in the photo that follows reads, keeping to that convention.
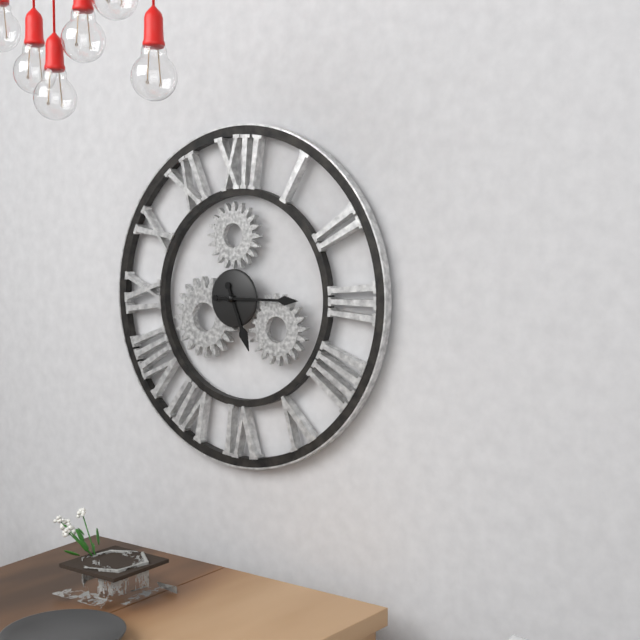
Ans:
5 h 15 min
